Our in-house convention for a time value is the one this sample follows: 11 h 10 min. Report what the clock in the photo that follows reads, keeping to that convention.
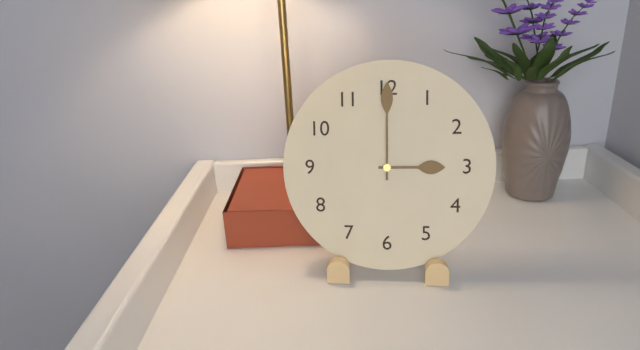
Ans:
3 h 00 min
